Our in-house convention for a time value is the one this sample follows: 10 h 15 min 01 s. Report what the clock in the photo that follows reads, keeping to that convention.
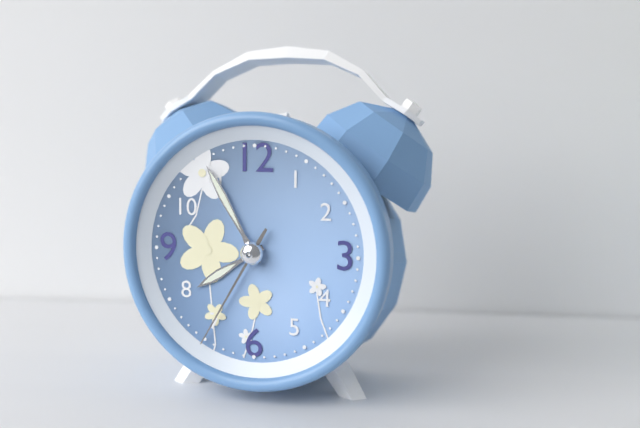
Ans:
7 h 55 min 35 s
